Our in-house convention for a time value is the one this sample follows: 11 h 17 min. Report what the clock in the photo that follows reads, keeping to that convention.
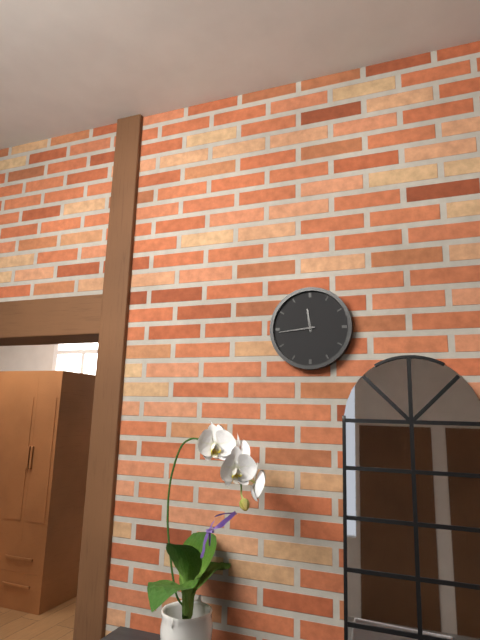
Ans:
11 h 44 min
